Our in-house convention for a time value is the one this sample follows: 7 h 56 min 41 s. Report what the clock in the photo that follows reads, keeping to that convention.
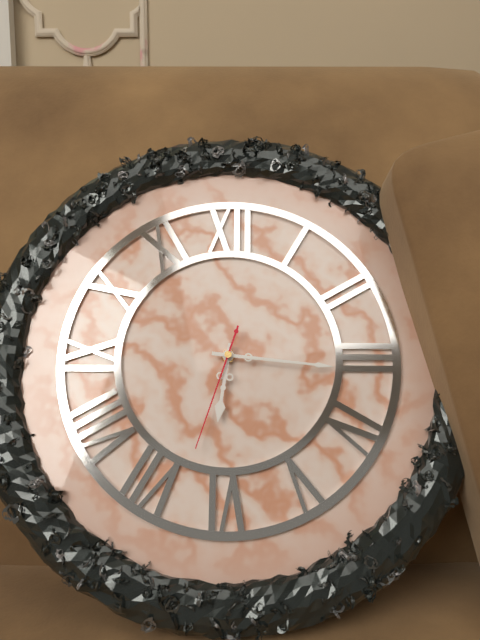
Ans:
6 h 16 min 33 s
